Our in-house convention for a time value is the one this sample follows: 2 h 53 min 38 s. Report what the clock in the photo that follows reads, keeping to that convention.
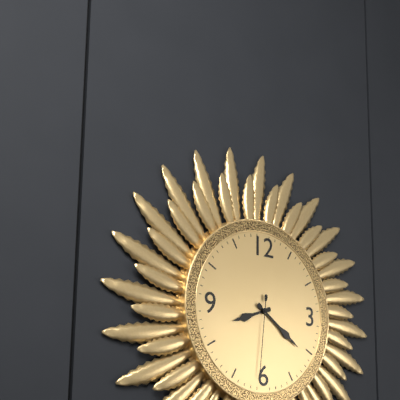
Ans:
8 h 21 min 31 s
